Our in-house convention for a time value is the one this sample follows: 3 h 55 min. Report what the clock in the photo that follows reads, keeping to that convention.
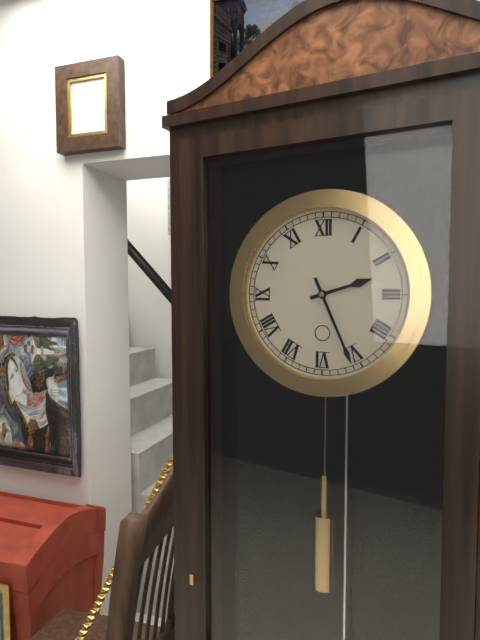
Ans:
2 h 26 min
